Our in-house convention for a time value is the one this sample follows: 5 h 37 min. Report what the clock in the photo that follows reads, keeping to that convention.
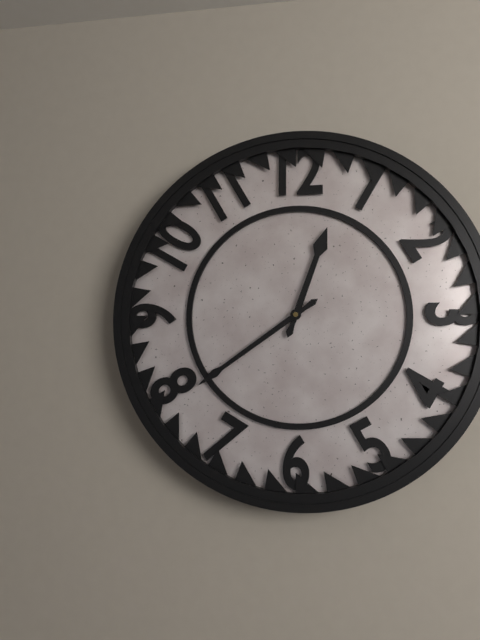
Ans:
12 h 39 min
